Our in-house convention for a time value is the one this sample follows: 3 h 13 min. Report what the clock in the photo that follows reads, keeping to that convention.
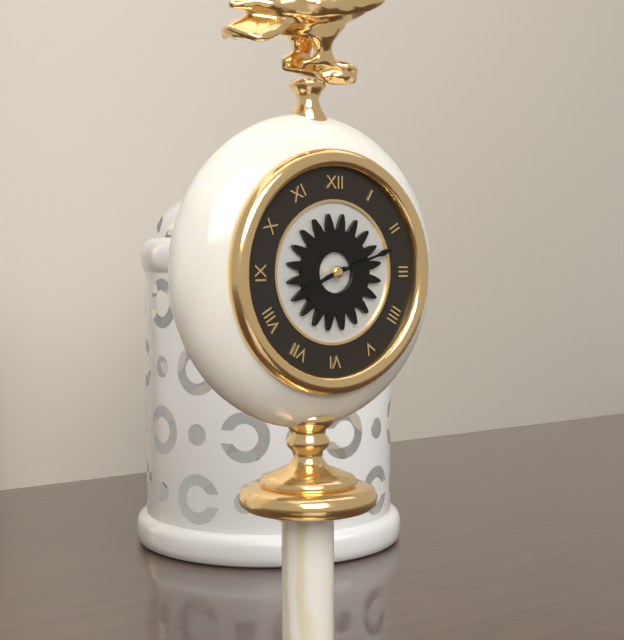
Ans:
8 h 12 min
